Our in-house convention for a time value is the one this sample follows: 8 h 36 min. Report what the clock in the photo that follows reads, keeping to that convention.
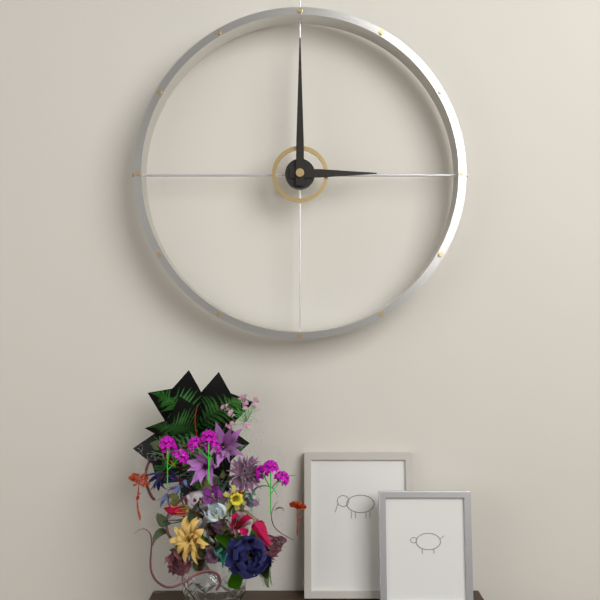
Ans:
3 h 00 min
